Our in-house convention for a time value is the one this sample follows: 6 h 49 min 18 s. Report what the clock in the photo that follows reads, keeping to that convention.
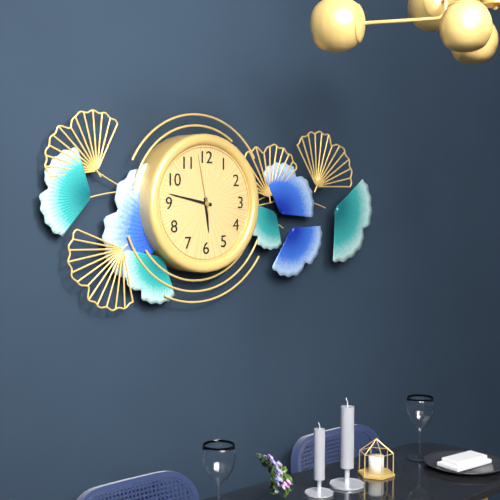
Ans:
5 h 47 min 58 s
